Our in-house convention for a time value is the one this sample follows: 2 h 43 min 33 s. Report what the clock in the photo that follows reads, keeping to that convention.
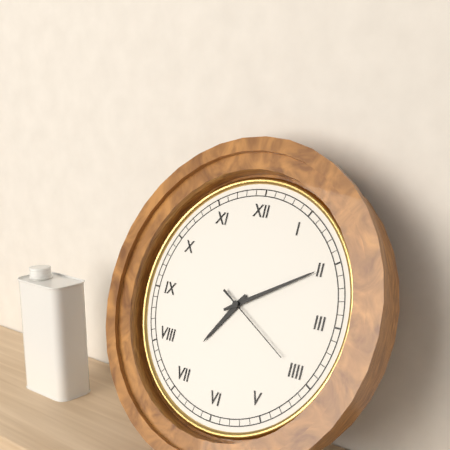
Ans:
7 h 10 min 20 s
